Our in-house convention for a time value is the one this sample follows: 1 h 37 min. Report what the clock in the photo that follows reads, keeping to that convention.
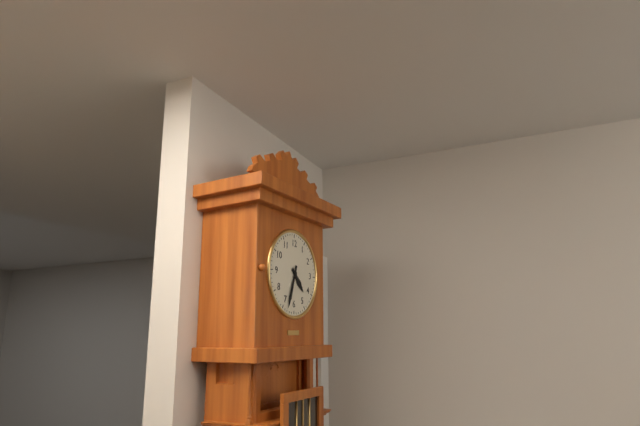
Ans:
4 h 33 min
